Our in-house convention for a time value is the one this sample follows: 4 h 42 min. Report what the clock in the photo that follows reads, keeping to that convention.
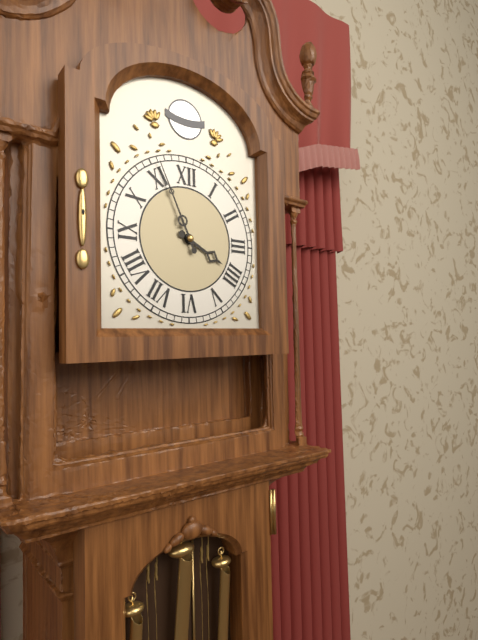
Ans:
3 h 56 min
